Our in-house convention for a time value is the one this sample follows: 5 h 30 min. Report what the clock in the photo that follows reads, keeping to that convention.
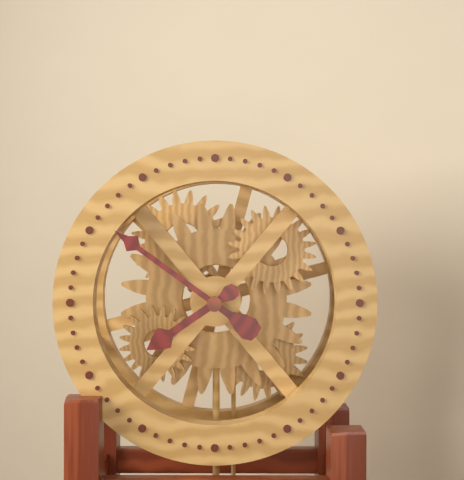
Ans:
7 h 51 min
